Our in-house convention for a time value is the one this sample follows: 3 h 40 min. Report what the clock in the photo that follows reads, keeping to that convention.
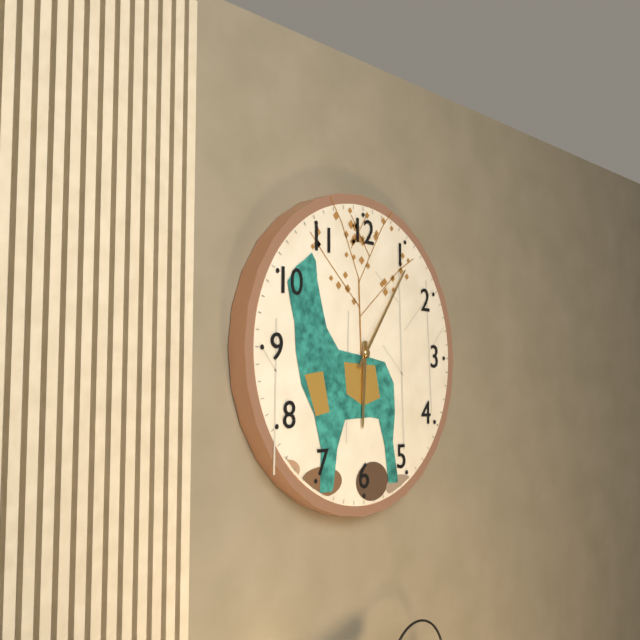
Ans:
6 h 06 min
